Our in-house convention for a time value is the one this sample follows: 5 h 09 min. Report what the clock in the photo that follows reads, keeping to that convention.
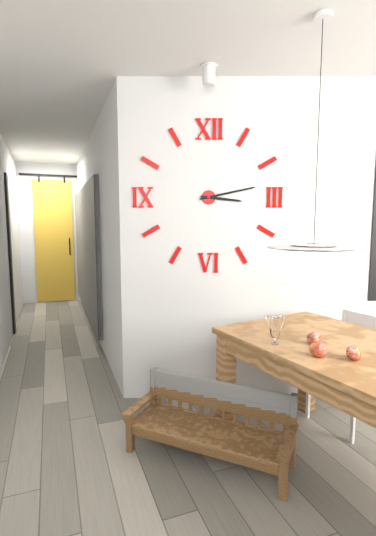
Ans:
3 h 13 min
